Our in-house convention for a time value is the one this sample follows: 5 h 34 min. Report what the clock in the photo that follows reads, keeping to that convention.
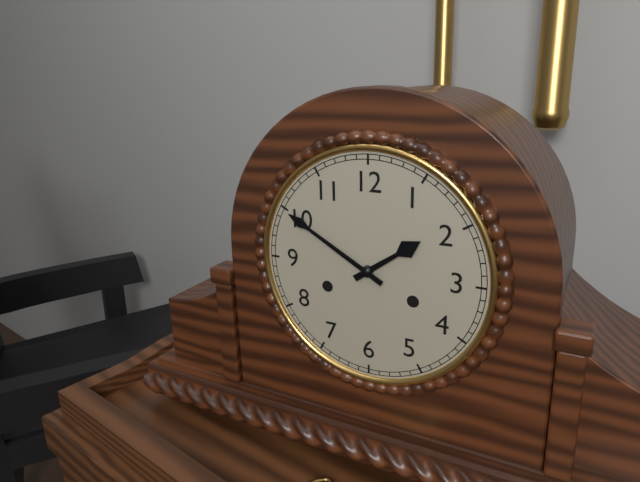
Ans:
1 h 50 min
